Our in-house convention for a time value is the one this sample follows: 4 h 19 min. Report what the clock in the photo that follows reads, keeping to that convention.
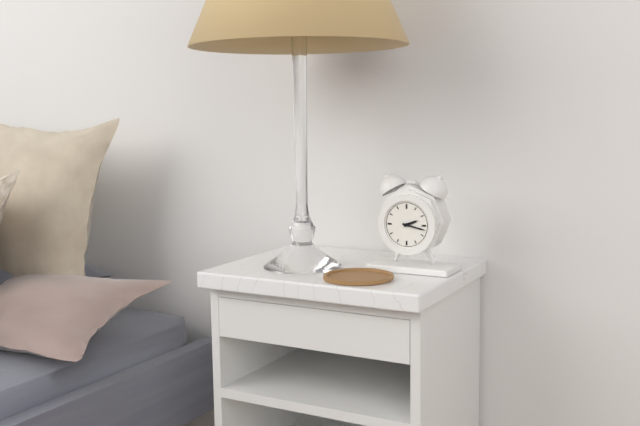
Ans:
2 h 17 min
